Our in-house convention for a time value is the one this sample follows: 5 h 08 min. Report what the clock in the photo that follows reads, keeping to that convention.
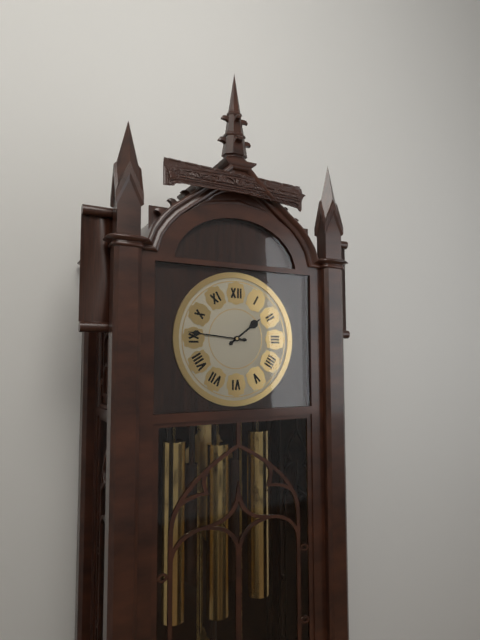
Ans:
1 h 46 min
